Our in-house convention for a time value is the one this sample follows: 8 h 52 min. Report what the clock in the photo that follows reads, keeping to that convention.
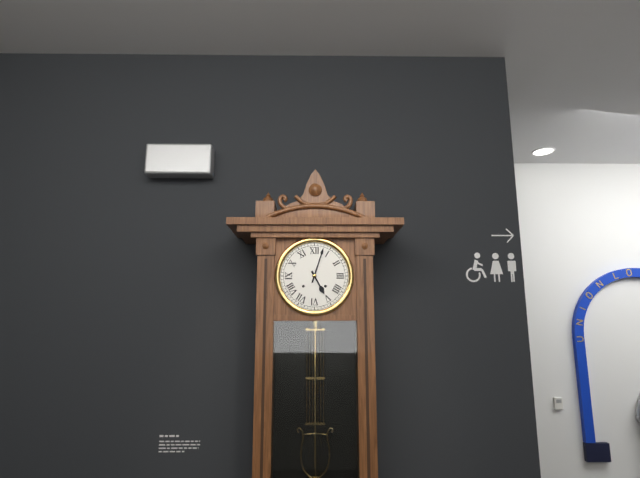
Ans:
5 h 03 min
